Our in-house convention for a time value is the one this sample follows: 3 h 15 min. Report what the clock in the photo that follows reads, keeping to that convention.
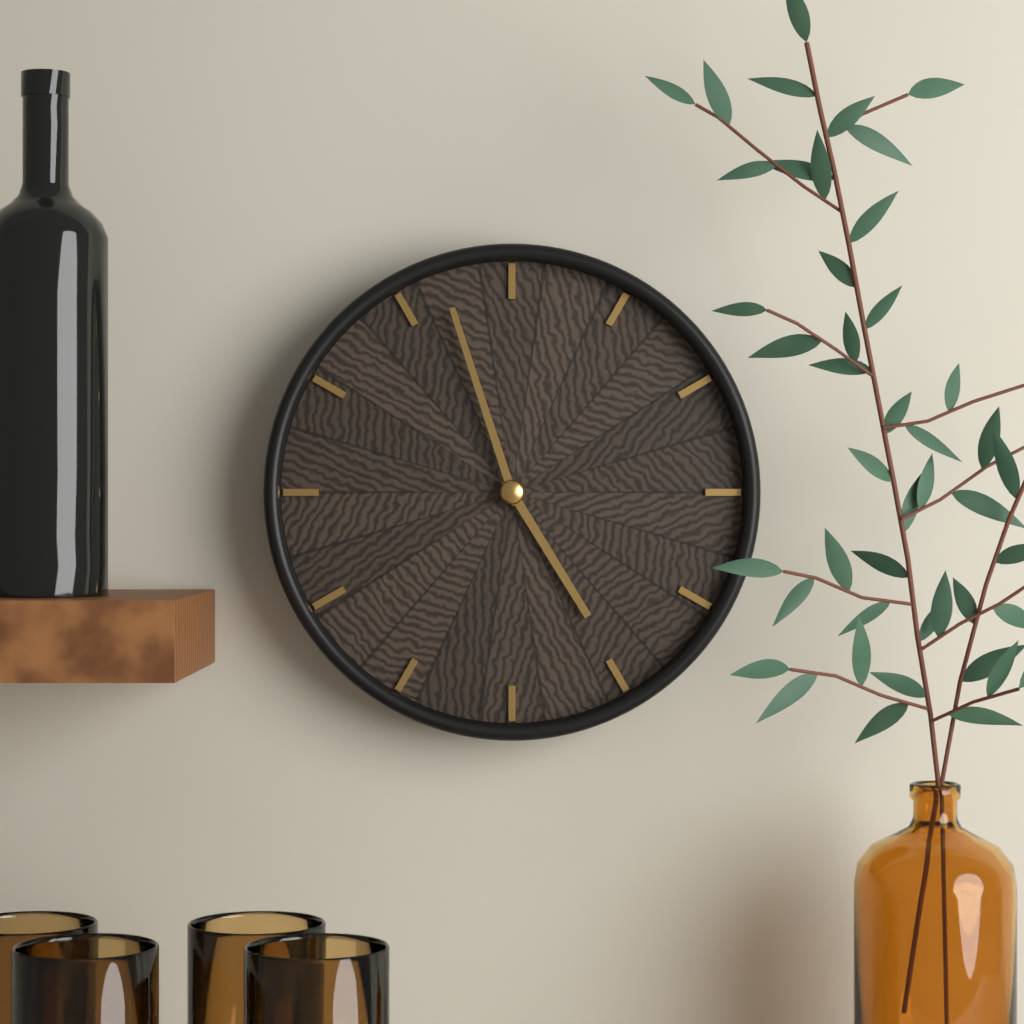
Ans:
4 h 57 min
